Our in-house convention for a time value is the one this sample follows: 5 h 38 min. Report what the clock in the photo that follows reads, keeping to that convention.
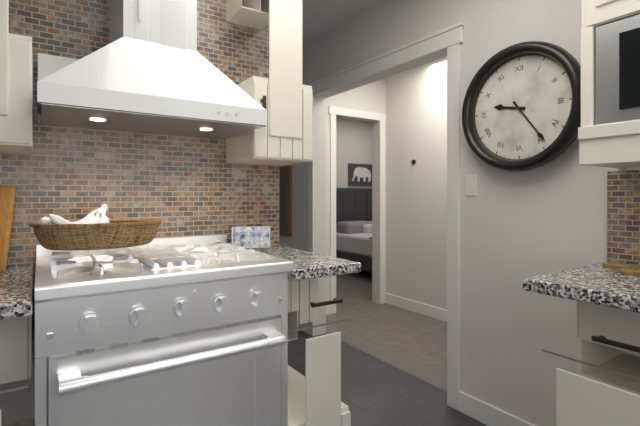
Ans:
9 h 24 min
